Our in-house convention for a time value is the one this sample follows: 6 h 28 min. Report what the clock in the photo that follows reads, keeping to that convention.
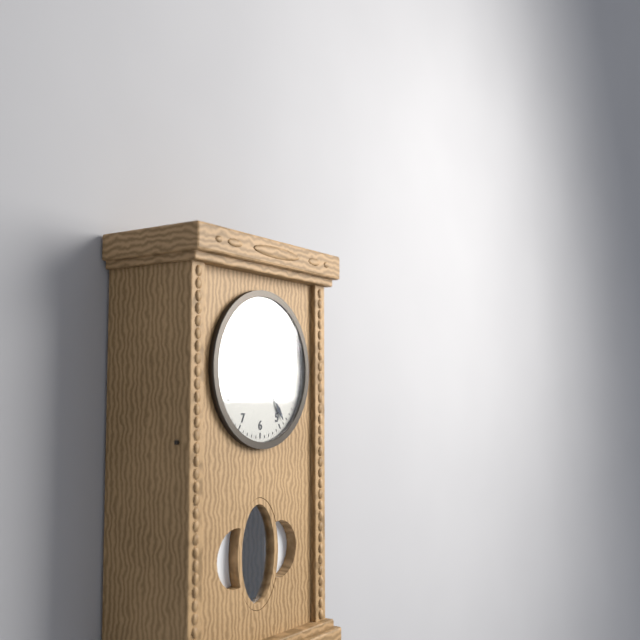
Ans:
12 h 24 min
